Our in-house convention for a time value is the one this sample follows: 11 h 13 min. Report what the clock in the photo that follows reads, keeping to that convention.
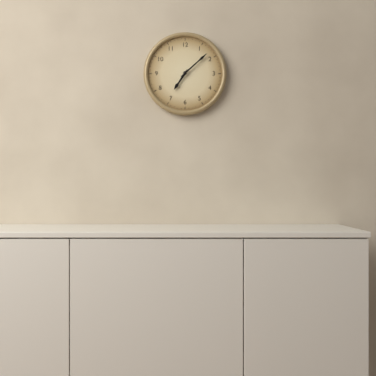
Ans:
7 h 08 min
